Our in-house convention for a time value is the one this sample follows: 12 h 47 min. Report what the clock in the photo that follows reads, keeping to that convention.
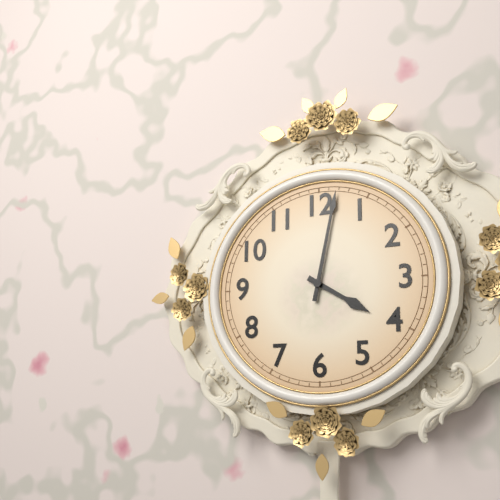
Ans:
4 h 02 min
